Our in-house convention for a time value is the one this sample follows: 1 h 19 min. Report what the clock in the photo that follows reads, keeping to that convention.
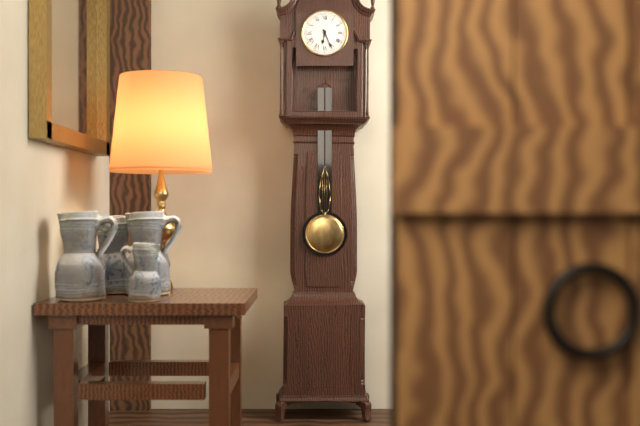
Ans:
6 h 26 min
